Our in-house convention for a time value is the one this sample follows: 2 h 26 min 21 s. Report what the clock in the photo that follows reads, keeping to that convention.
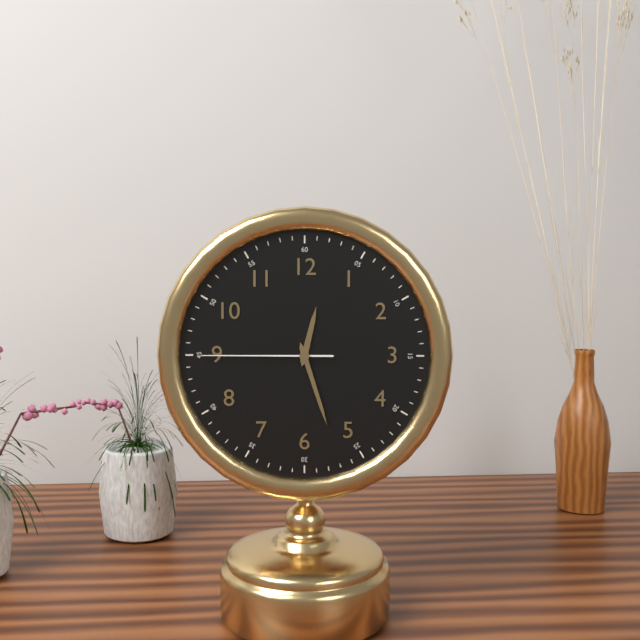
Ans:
12 h 27 min 45 s
